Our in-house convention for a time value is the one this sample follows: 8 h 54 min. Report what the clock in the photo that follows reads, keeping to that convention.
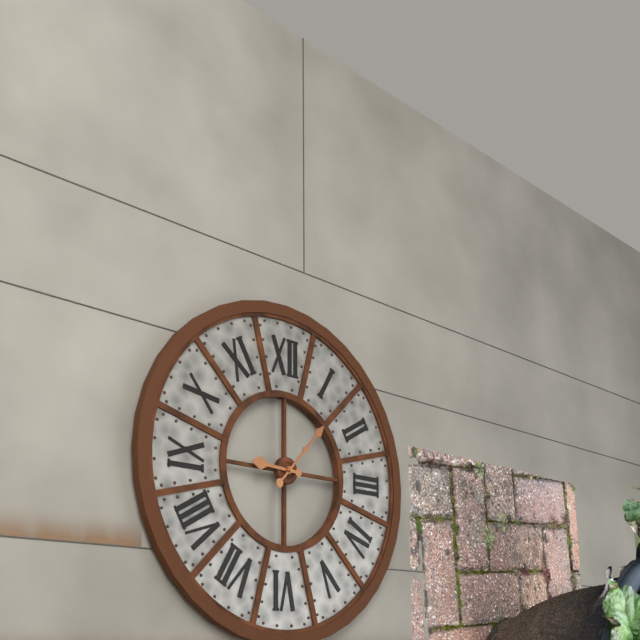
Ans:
9 h 07 min
